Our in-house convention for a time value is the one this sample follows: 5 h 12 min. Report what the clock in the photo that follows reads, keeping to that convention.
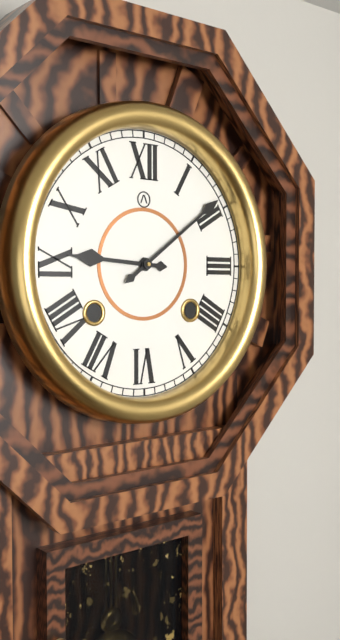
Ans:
9 h 09 min
